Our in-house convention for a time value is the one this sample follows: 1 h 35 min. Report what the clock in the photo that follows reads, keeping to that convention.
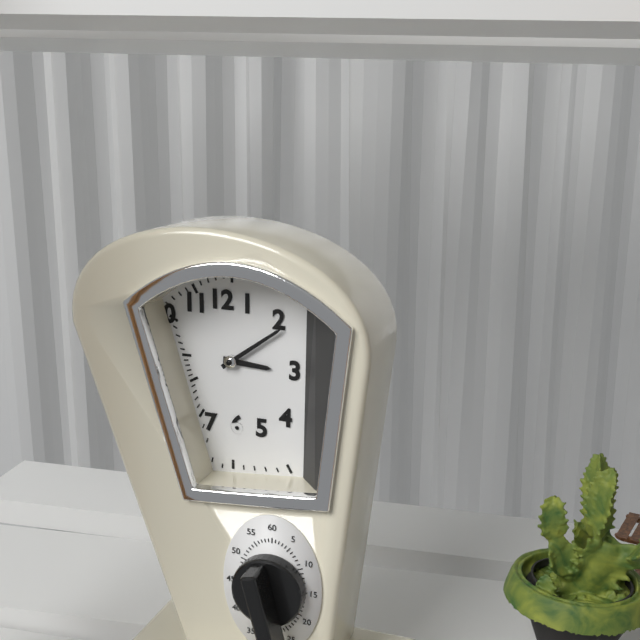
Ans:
3 h 09 min
